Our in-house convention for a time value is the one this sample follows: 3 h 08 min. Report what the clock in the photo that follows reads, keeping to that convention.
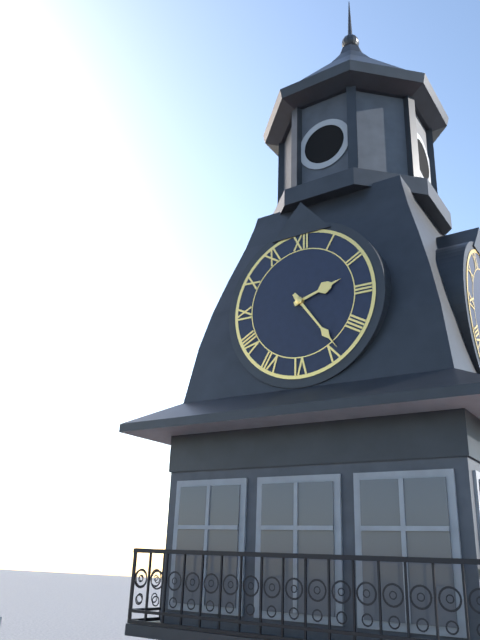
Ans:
2 h 24 min
